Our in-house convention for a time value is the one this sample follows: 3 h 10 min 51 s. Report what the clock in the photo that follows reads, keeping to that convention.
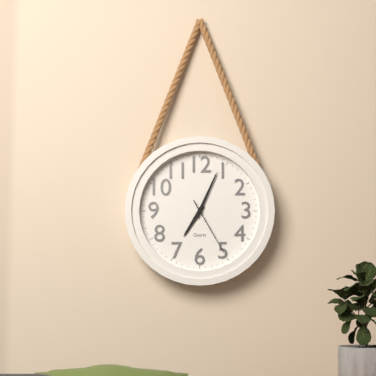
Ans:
7 h 04 min 25 s
